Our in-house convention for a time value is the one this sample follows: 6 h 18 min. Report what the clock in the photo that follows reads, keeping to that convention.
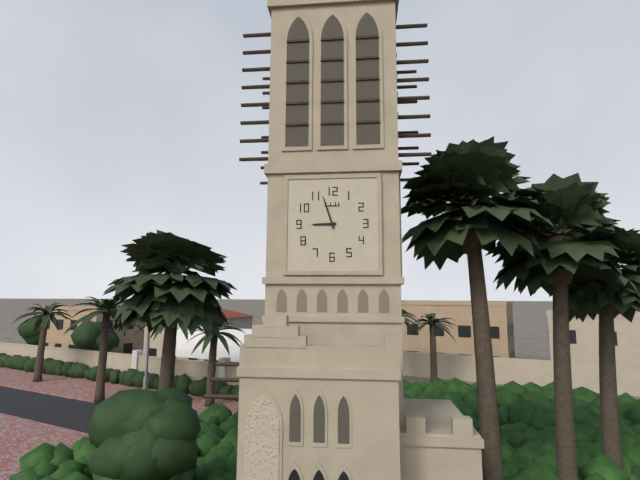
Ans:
8 h 57 min
